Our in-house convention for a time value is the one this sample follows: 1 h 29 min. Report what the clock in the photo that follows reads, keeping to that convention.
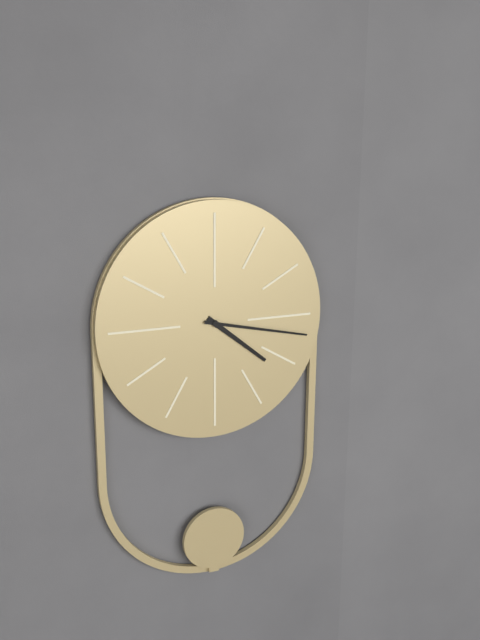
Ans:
4 h 17 min
